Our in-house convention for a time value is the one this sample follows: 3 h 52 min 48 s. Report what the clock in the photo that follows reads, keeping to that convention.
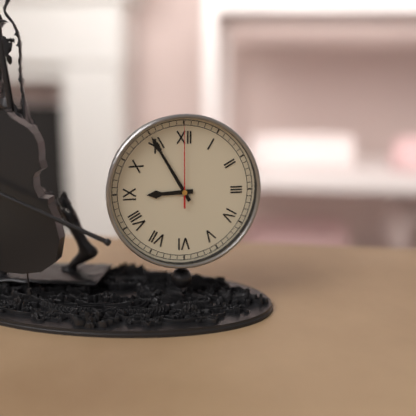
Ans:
8 h 55 min 00 s
